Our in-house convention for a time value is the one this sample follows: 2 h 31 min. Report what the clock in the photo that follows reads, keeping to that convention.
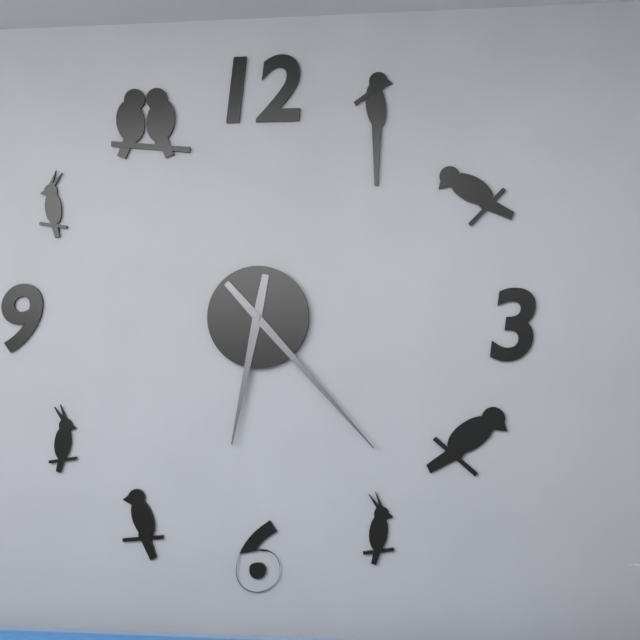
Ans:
6 h 23 min
